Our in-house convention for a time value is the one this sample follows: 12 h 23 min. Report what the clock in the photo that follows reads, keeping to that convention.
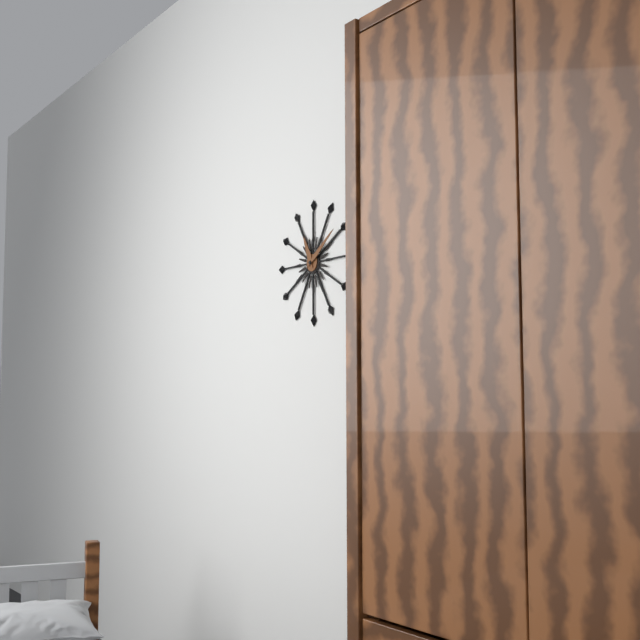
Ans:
11 h 09 min
